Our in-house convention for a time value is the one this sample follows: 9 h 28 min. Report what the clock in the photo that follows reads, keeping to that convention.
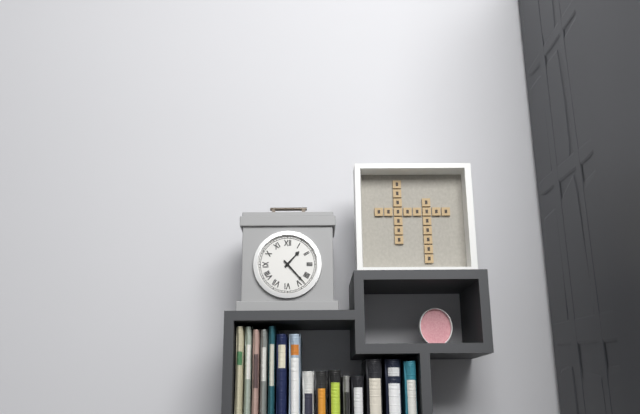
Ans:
1 h 23 min
